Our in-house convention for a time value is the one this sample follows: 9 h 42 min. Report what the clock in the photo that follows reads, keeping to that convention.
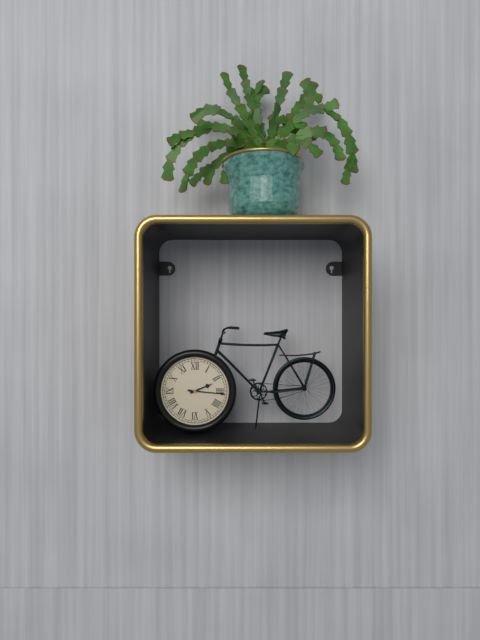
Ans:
2 h 16 min
